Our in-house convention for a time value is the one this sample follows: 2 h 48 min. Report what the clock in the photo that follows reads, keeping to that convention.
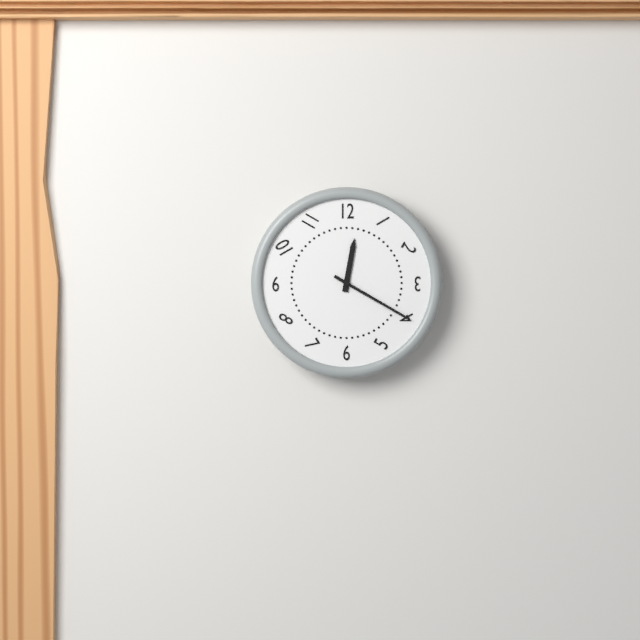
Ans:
12 h 20 min
